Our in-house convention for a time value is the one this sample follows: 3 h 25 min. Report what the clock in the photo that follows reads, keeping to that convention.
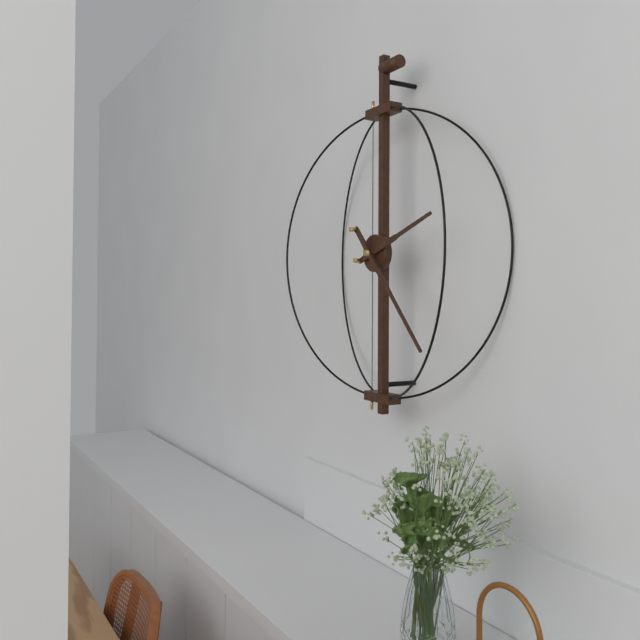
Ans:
2 h 23 min
